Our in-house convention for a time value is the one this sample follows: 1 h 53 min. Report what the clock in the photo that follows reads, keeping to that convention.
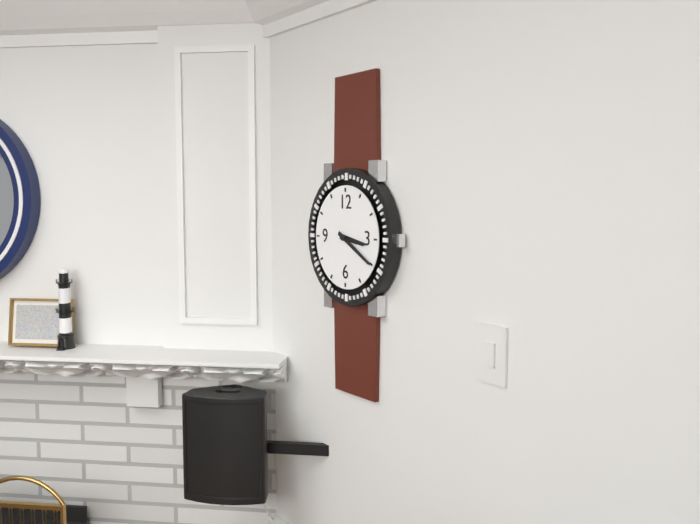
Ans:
3 h 20 min
